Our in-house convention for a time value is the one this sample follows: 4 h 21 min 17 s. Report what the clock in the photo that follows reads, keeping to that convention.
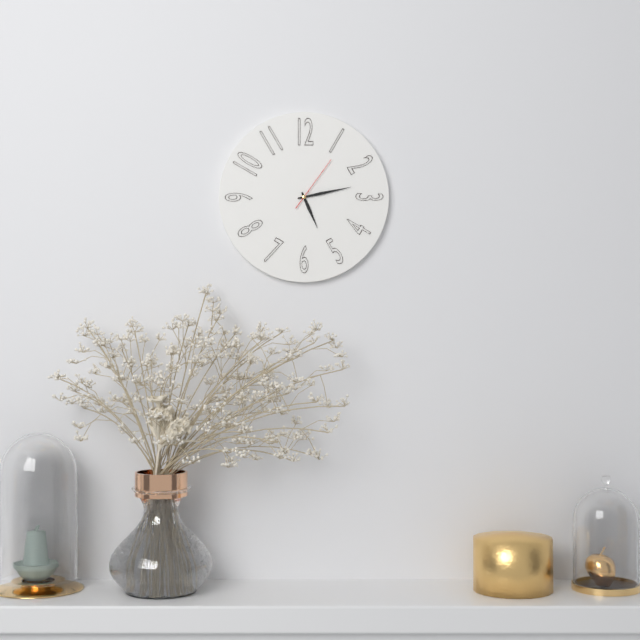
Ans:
5 h 13 min 06 s
